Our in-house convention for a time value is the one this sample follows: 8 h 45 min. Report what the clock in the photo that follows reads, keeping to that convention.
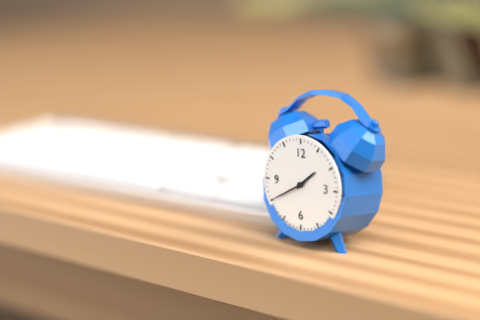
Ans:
1 h 40 min
